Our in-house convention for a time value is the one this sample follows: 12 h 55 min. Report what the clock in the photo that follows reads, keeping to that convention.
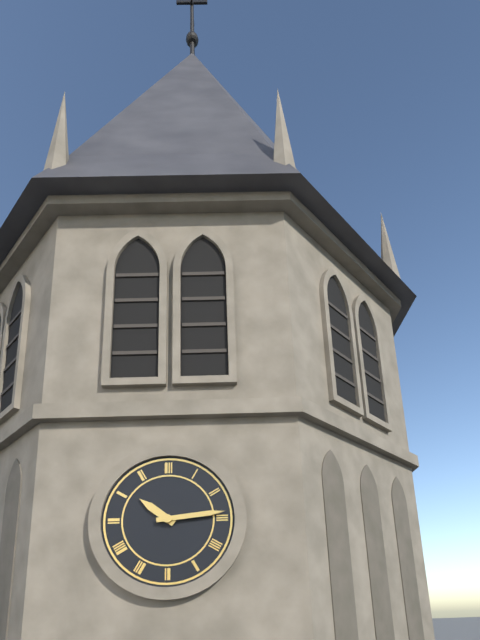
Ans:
10 h 14 min
